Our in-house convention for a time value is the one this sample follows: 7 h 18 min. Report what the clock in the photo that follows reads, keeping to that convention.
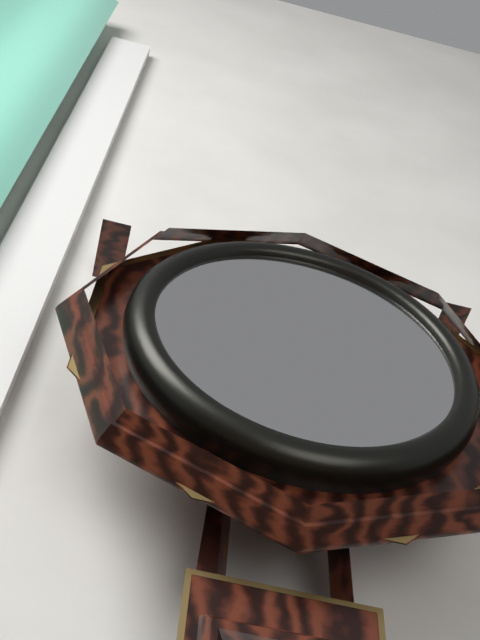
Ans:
8 h 35 min
